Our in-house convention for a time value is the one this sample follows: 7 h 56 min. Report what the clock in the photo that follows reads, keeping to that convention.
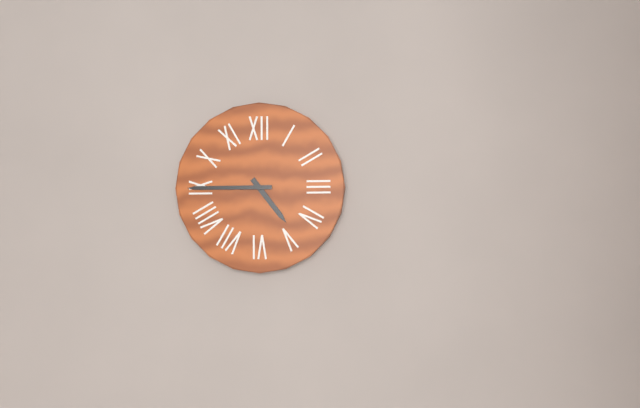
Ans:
4 h 45 min
